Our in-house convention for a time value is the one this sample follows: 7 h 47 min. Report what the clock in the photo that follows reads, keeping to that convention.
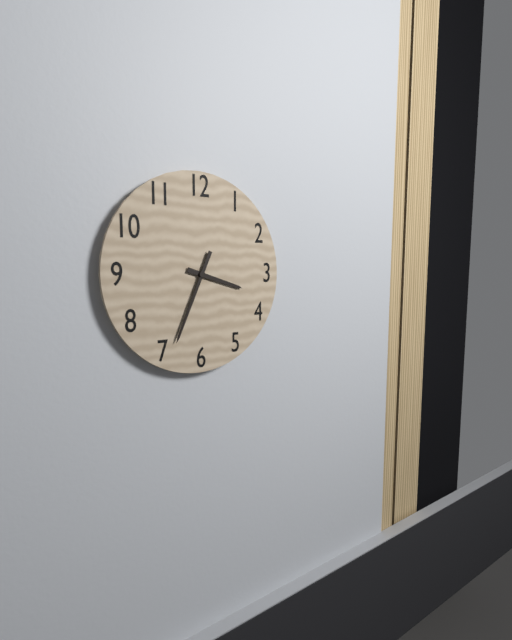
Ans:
3 h 34 min
